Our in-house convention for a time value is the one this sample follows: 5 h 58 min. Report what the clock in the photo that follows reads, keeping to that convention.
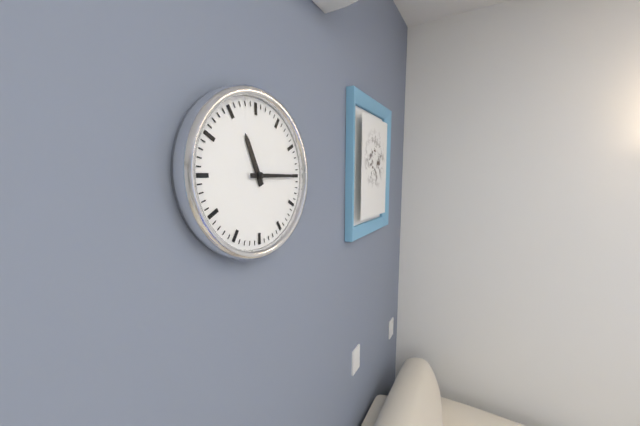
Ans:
11 h 15 min
